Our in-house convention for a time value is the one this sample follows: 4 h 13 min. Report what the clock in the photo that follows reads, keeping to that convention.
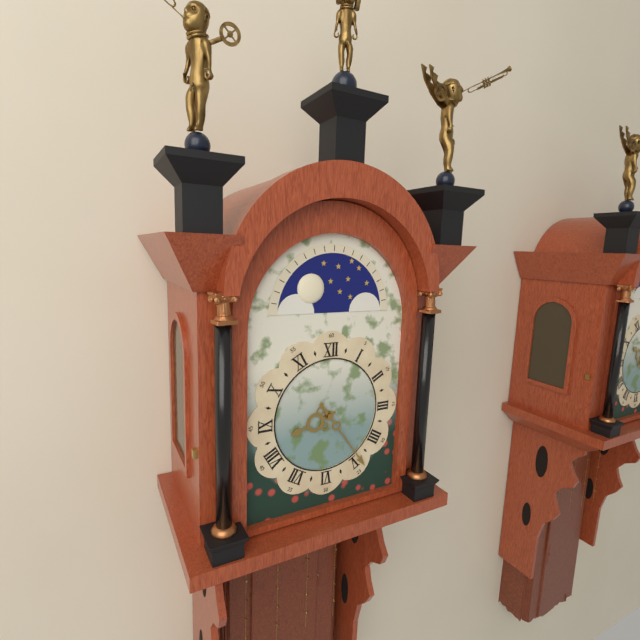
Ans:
8 h 24 min
